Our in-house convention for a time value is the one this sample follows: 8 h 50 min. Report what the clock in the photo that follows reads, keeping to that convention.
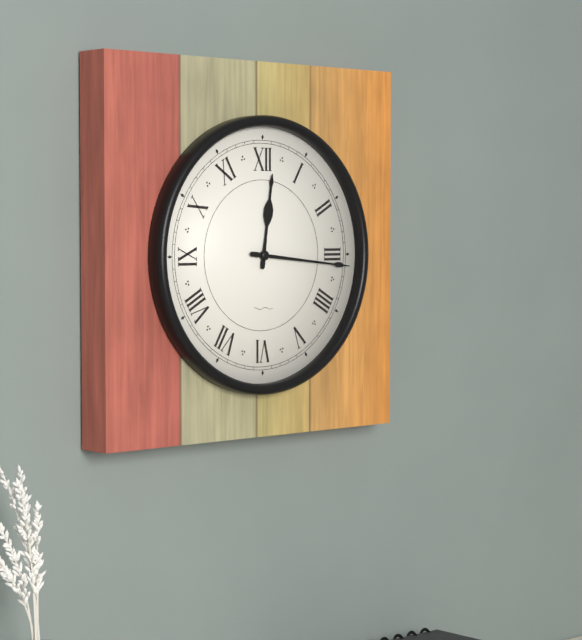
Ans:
12 h 16 min
